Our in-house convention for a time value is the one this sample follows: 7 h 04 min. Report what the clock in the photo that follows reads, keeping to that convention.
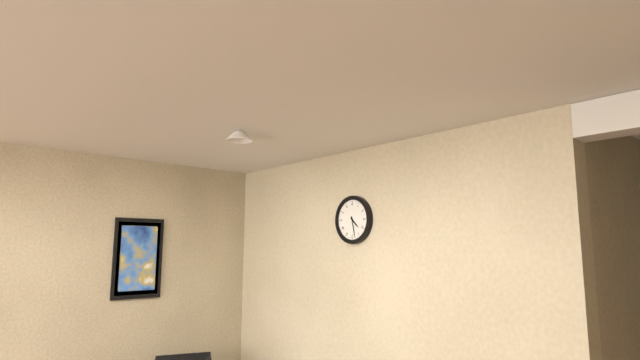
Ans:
4 h 28 min
